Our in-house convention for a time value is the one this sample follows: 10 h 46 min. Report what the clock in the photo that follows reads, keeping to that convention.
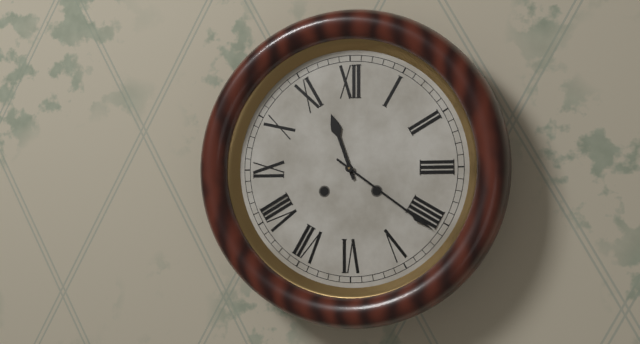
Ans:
11 h 21 min
